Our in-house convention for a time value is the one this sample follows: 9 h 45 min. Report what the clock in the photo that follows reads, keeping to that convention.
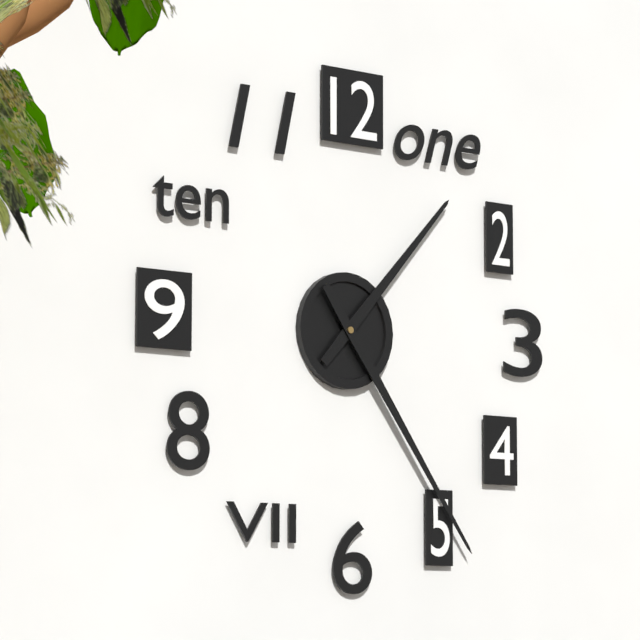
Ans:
1 h 24 min
